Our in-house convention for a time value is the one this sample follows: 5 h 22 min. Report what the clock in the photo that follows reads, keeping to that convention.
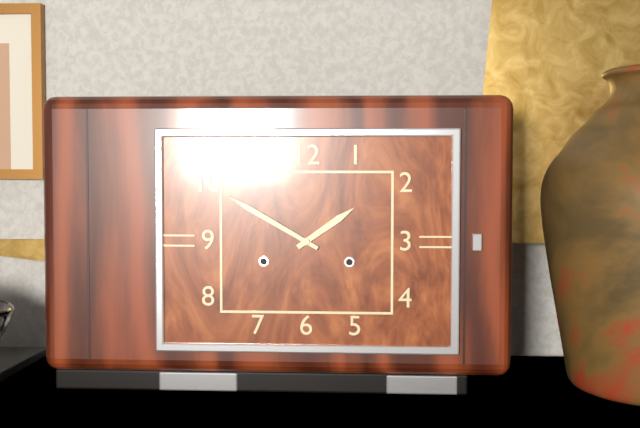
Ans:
1 h 50 min
